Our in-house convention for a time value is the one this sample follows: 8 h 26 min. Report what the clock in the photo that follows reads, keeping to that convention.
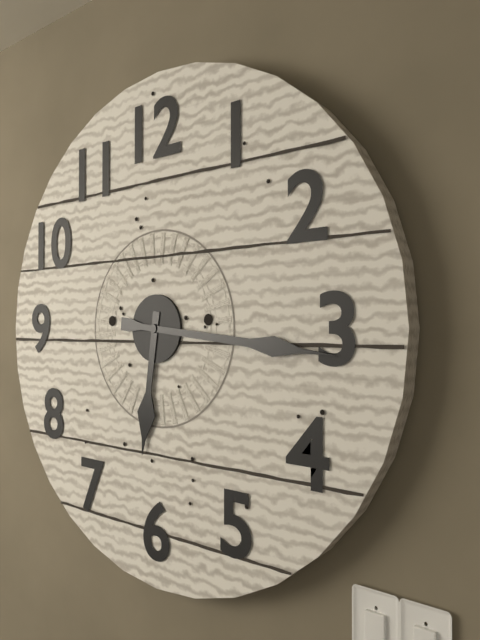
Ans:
6 h 16 min
